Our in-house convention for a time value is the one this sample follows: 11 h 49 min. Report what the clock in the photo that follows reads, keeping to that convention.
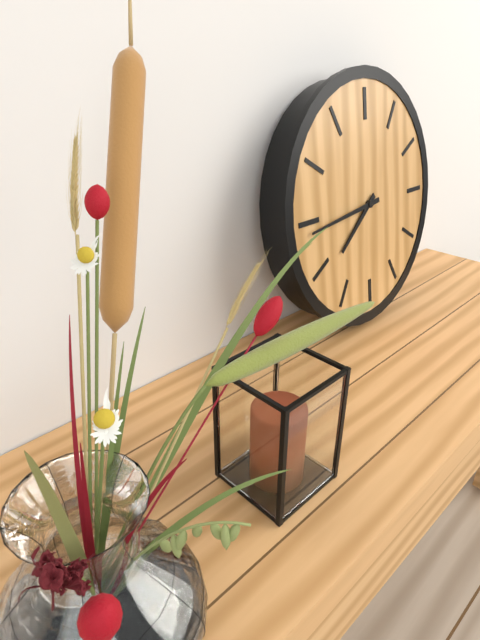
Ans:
7 h 44 min
